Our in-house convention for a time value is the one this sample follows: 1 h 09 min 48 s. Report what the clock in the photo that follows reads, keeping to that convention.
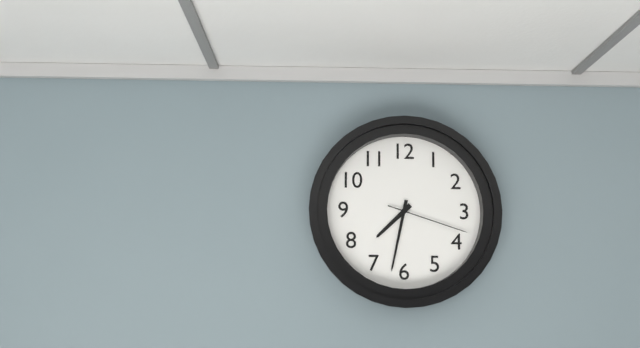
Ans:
7 h 32 min 18 s
